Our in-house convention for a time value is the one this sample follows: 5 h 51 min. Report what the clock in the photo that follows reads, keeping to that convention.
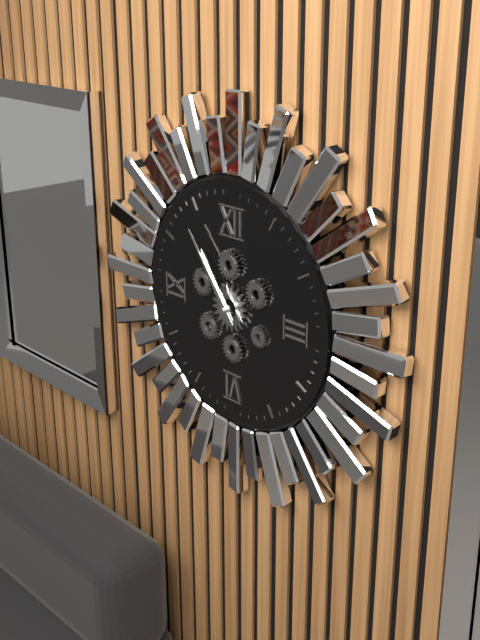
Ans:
10 h 54 min
